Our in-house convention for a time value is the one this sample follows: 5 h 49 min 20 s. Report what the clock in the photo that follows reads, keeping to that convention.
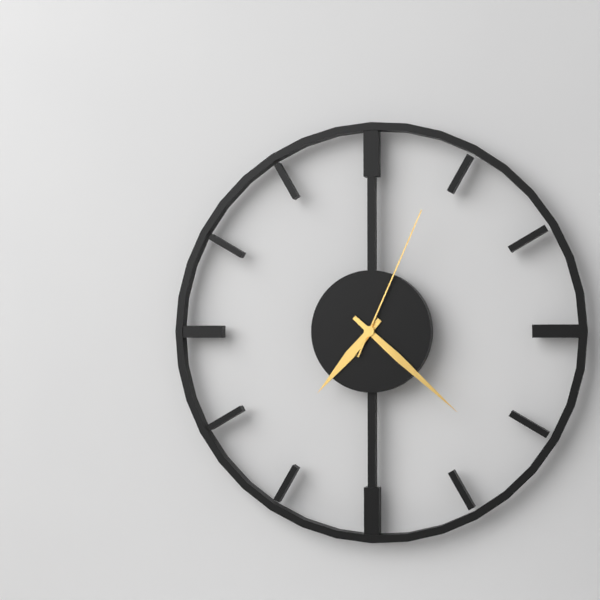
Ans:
7 h 22 min 04 s
